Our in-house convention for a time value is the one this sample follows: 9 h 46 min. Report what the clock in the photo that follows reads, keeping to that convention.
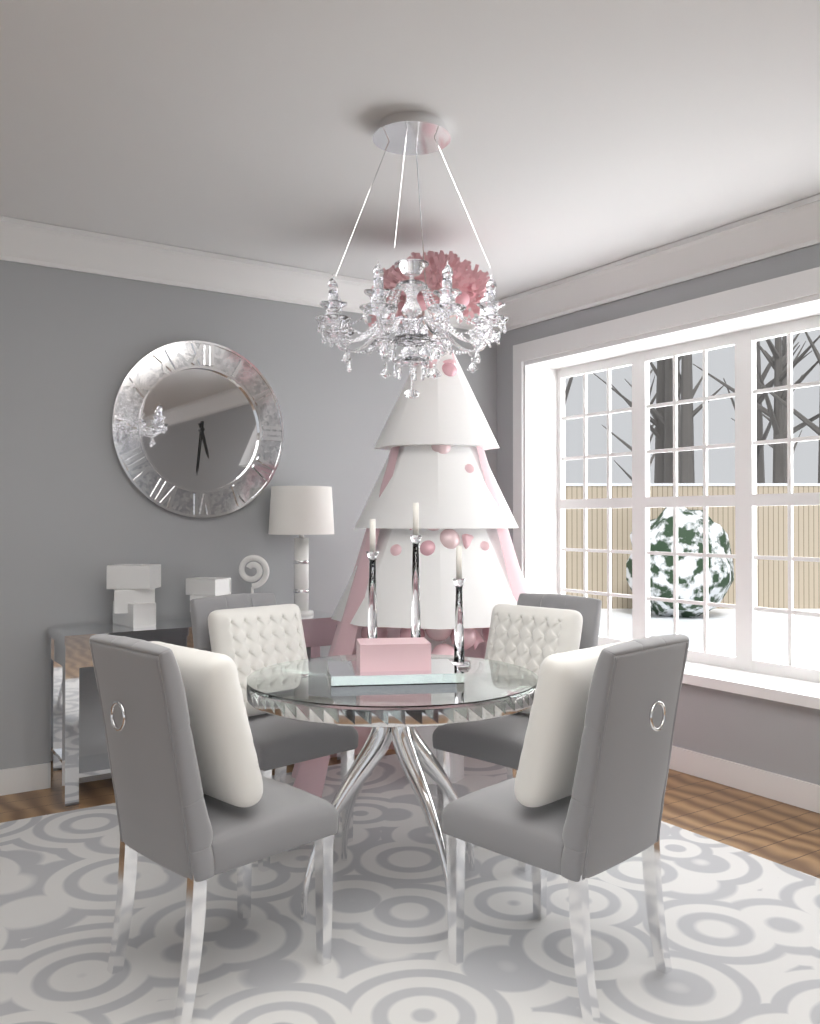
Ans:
5 h 31 min
